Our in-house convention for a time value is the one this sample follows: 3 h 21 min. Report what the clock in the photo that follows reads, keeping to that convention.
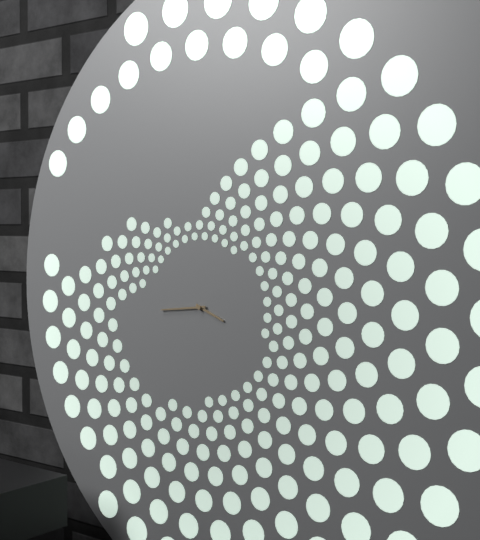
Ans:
3 h 44 min
